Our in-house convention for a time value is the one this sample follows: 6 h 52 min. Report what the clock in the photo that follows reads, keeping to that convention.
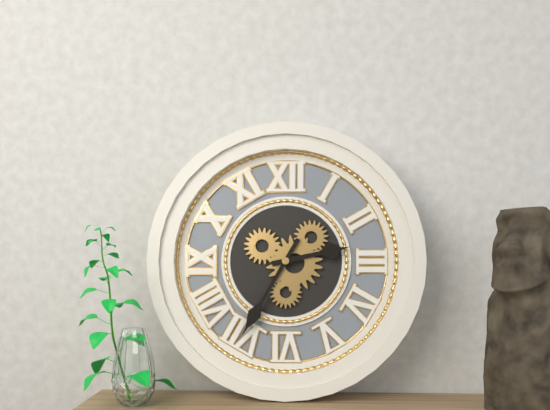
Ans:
2 h 35 min
